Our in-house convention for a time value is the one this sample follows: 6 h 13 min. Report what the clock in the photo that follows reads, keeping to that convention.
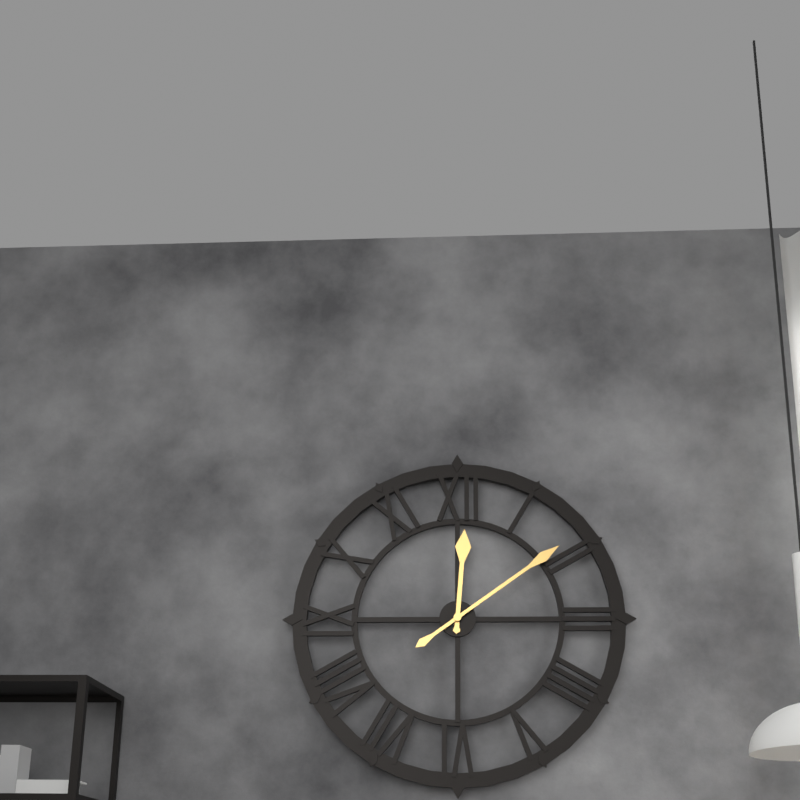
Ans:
12 h 09 min
